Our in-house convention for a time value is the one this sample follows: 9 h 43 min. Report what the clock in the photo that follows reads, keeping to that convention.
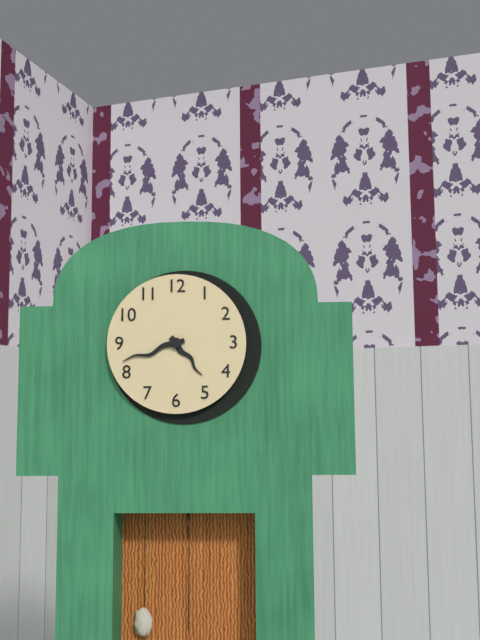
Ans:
4 h 42 min
